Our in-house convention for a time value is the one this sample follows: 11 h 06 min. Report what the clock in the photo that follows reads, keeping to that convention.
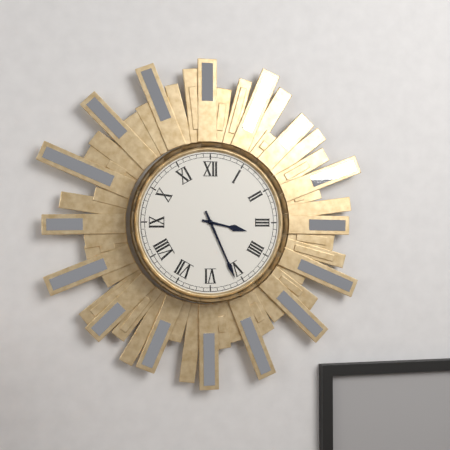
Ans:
3 h 26 min
